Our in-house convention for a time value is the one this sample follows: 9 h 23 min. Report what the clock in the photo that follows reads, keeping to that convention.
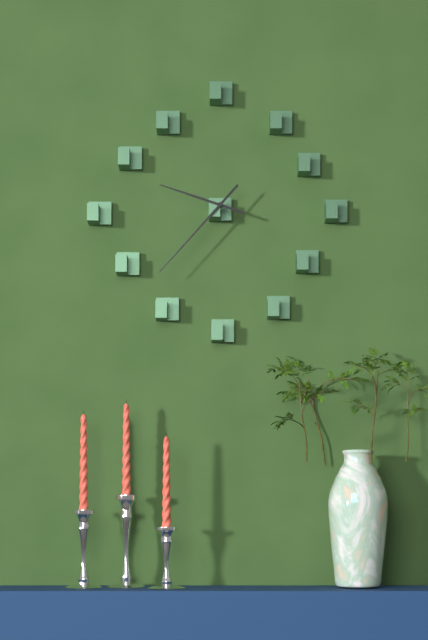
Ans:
9 h 37 min
